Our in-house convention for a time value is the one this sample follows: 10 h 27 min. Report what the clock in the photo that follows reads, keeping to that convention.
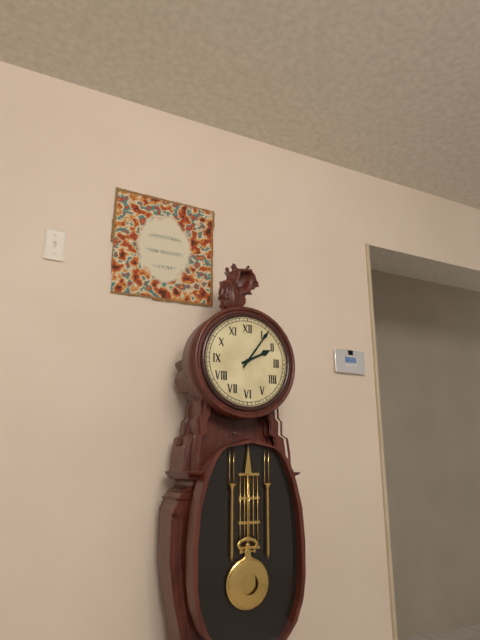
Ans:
2 h 06 min
